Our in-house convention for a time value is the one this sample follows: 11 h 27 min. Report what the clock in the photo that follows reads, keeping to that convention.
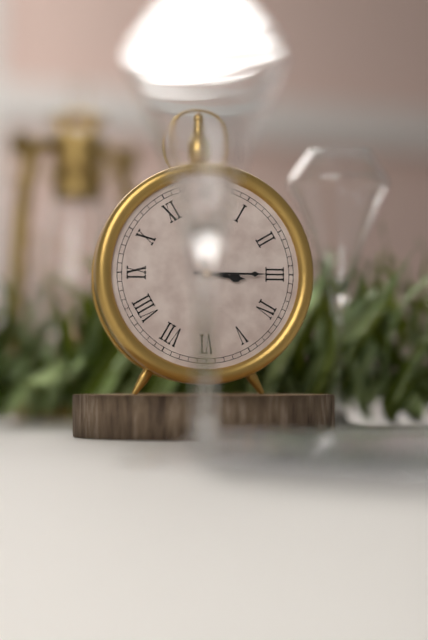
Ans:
3 h 15 min
